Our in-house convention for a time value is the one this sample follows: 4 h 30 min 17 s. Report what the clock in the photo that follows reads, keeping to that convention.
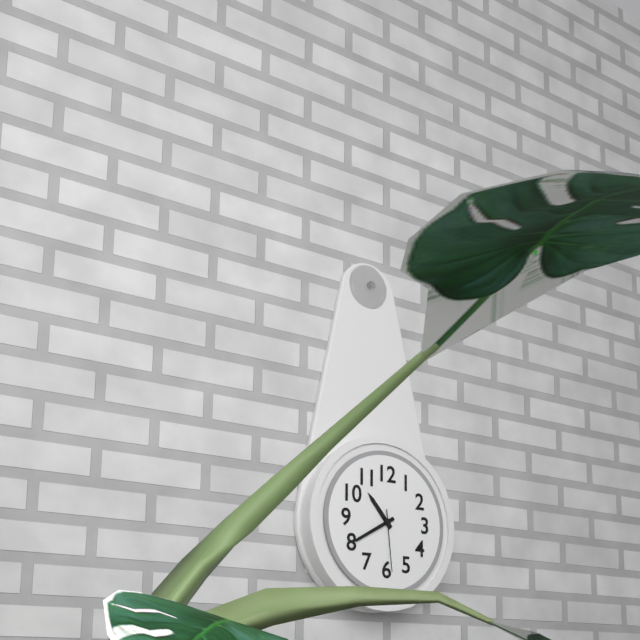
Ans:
10 h 40 min 29 s
